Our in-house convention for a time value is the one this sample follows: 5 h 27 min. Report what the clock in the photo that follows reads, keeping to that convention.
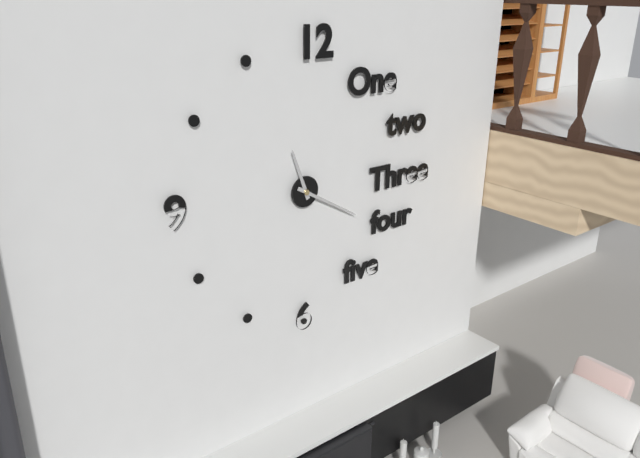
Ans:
11 h 20 min
